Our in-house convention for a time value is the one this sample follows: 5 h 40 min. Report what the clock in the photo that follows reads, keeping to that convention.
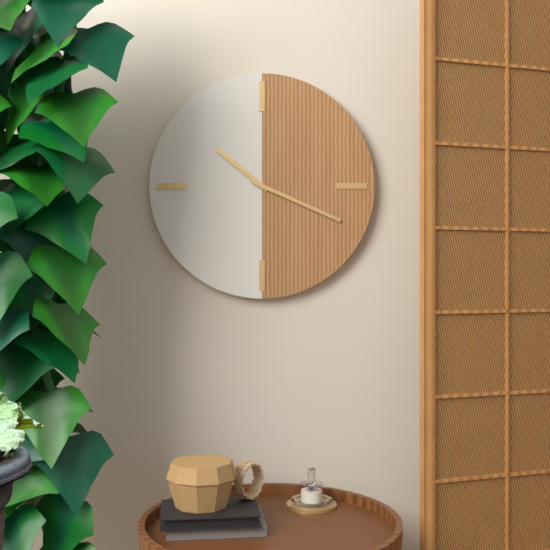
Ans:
10 h 19 min
